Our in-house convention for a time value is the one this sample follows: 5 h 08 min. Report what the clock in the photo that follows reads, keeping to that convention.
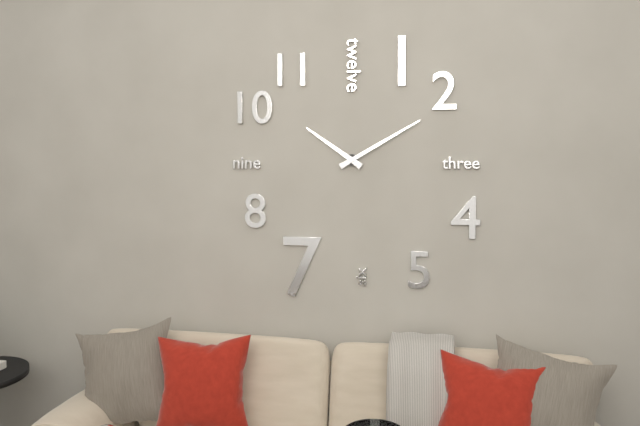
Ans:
10 h 10 min
